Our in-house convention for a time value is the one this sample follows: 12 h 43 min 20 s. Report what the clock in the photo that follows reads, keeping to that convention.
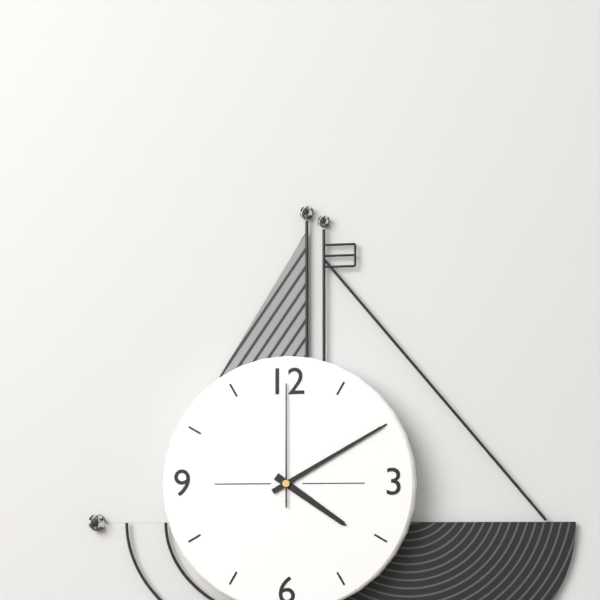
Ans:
4 h 10 min 00 s
